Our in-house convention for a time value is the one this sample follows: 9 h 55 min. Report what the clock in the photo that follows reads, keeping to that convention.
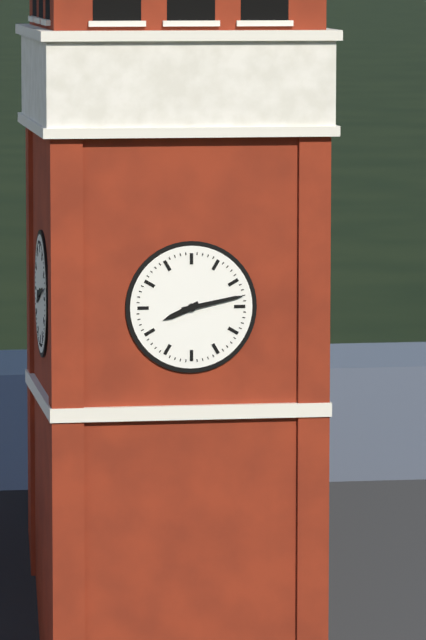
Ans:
8 h 13 min
